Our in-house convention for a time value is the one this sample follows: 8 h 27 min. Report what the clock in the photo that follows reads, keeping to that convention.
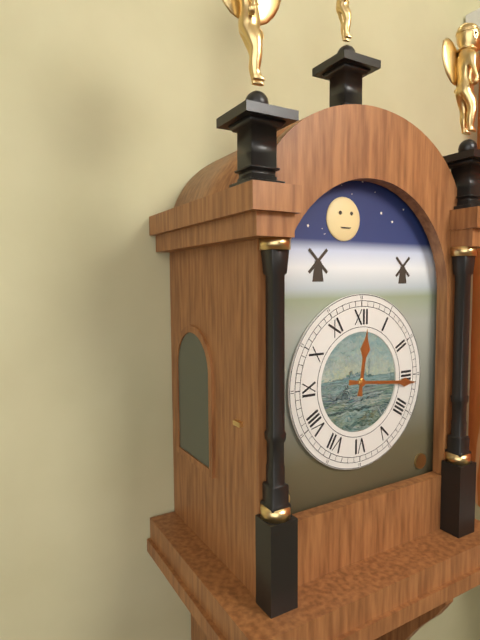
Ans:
12 h 16 min
